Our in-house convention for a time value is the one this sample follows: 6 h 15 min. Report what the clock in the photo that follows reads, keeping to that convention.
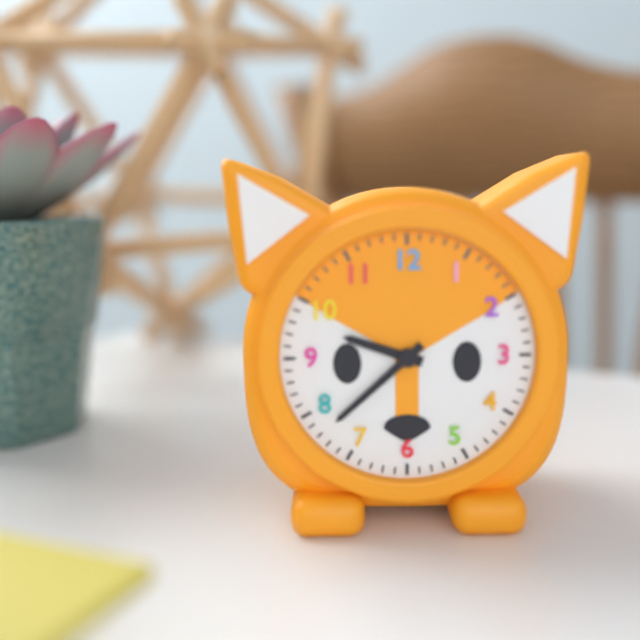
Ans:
9 h 38 min
